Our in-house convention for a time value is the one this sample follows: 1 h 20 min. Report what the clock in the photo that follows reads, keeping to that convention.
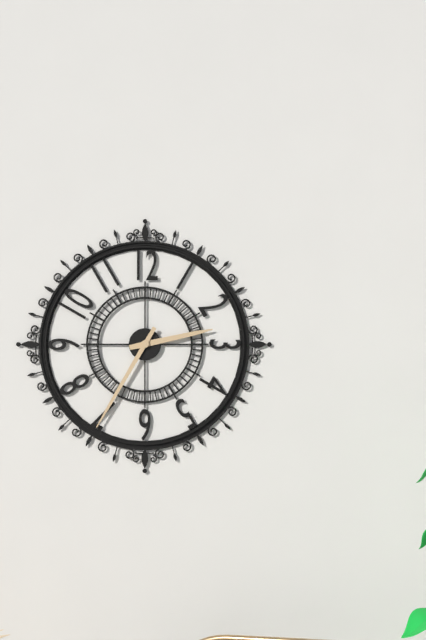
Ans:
2 h 35 min
